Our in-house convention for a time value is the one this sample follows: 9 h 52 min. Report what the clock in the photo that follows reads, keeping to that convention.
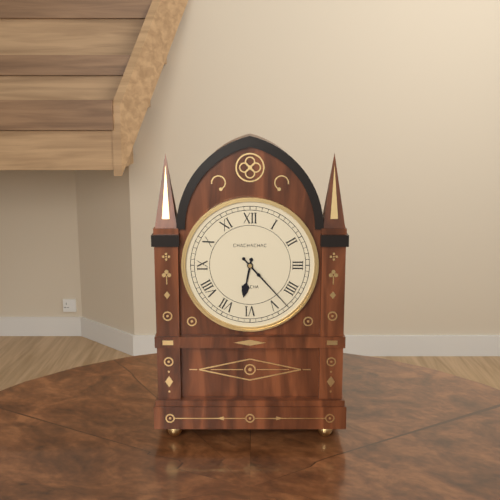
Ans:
6 h 23 min
